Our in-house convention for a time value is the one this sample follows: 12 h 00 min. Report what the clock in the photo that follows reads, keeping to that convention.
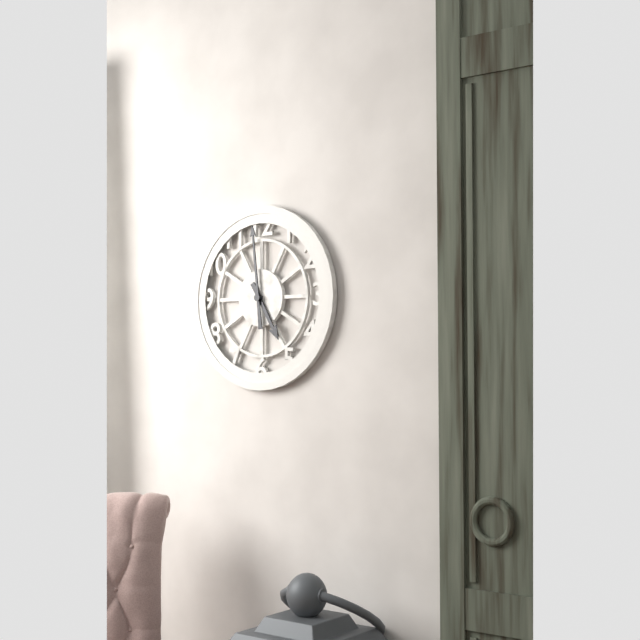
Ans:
4 h 59 min
